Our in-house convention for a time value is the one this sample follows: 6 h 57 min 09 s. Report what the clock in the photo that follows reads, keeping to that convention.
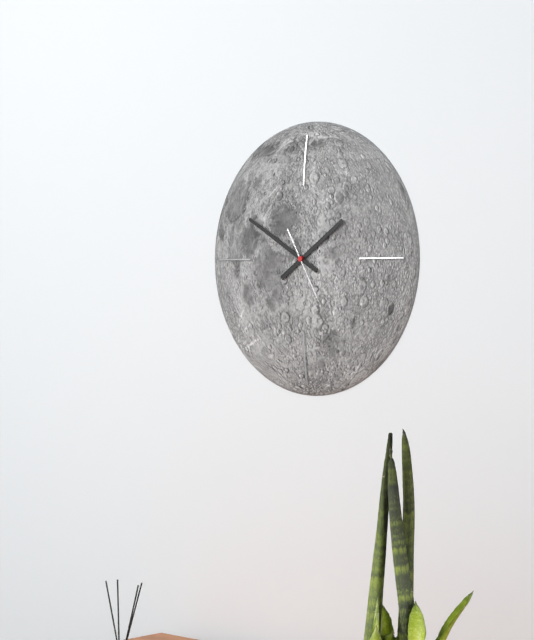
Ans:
1 h 50 min 25 s
